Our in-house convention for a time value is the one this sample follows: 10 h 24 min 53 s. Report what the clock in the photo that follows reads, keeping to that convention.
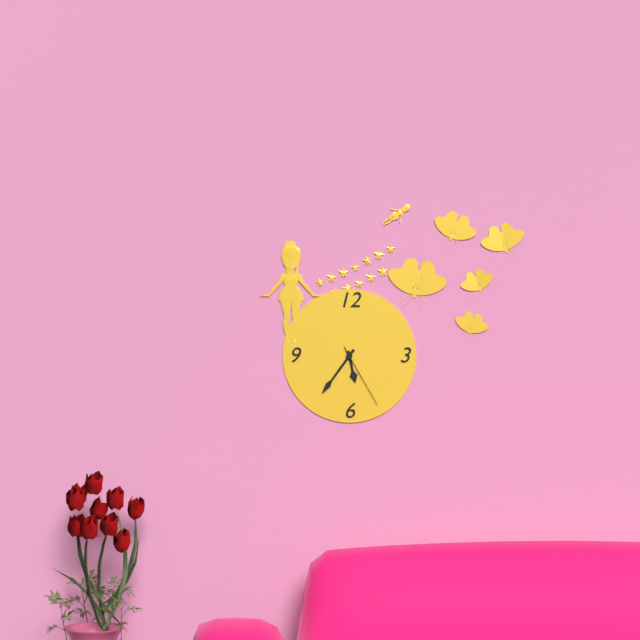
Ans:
5 h 36 min 25 s
